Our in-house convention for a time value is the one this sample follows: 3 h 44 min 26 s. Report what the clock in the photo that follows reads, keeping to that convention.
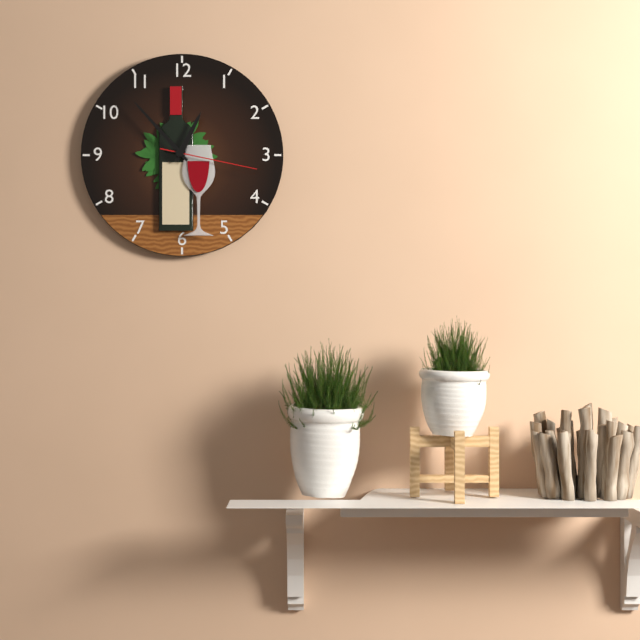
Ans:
12 h 53 min 17 s
